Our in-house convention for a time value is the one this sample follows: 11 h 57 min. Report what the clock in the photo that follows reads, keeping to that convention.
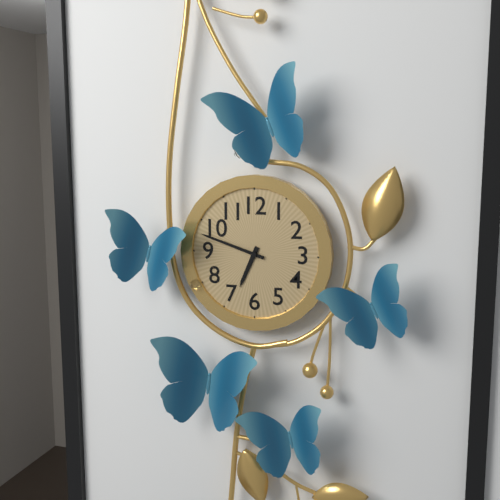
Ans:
6 h 48 min
